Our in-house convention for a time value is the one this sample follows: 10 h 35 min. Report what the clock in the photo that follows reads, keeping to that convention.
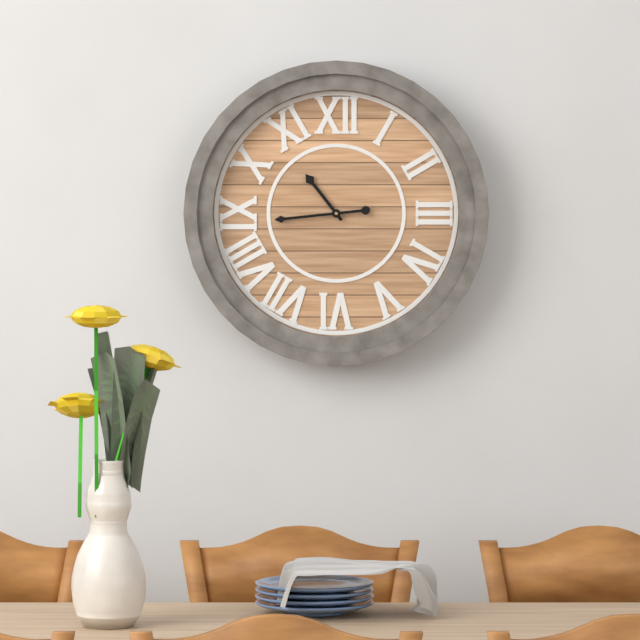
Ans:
10 h 44 min
